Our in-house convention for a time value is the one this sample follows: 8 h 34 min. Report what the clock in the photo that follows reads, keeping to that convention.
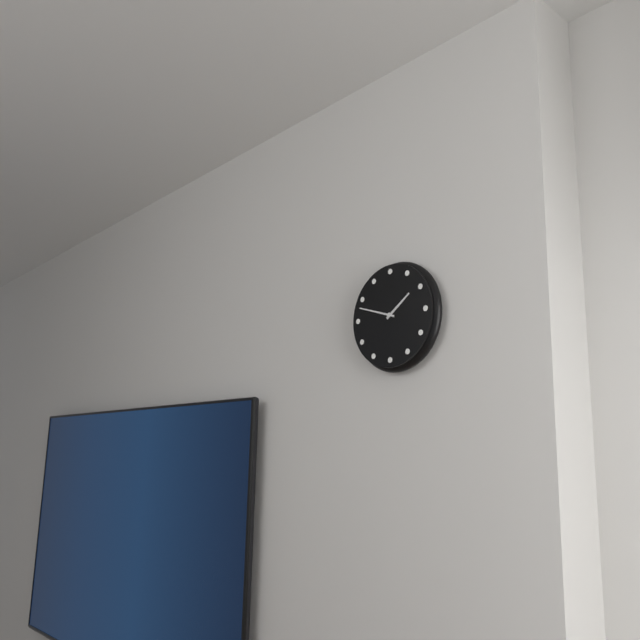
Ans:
1 h 48 min
